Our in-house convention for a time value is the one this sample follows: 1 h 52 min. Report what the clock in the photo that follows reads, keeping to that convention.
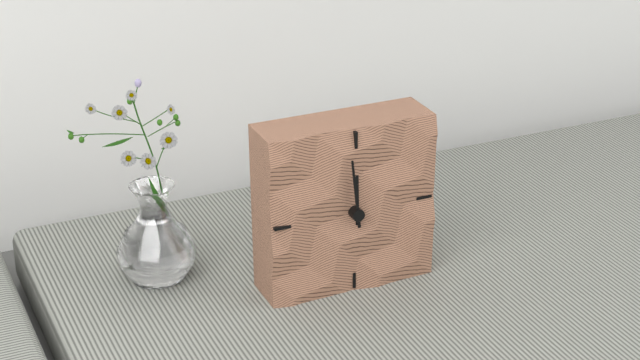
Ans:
11 h 59 min
